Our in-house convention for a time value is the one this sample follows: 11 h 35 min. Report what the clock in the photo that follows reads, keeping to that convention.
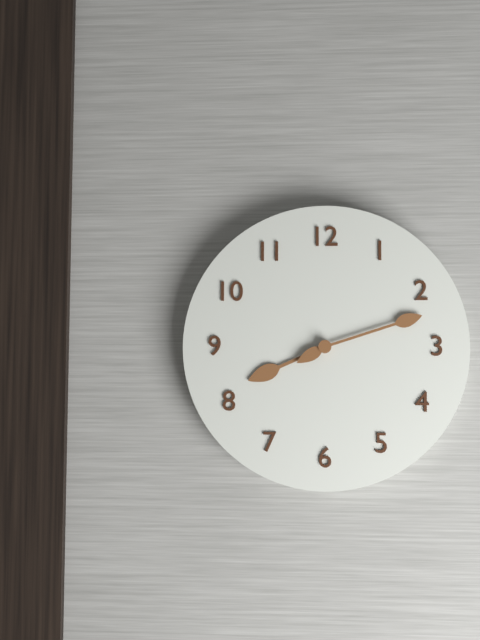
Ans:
8 h 12 min
